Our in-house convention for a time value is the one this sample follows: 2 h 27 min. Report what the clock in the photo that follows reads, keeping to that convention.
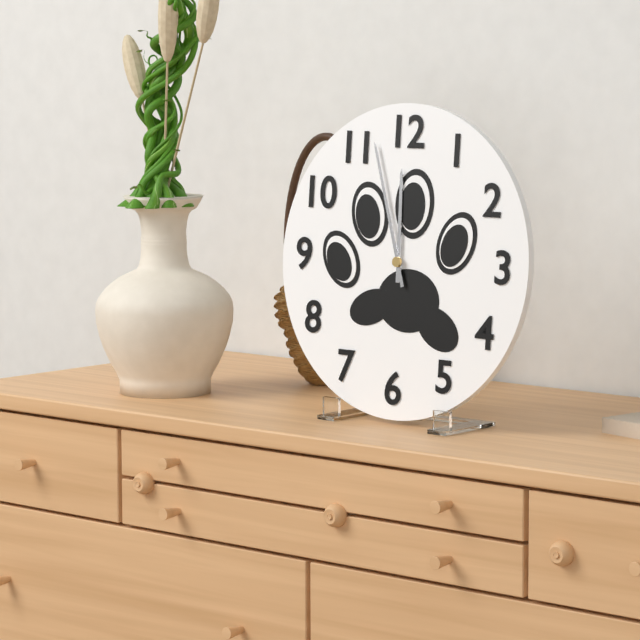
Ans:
11 h 57 min
